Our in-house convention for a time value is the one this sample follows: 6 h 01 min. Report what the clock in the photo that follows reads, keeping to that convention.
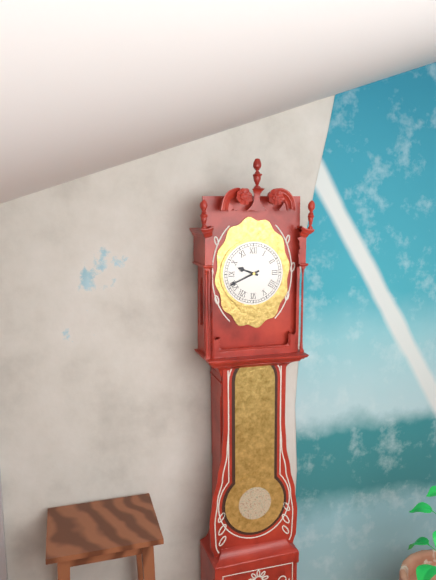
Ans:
9 h 41 min
